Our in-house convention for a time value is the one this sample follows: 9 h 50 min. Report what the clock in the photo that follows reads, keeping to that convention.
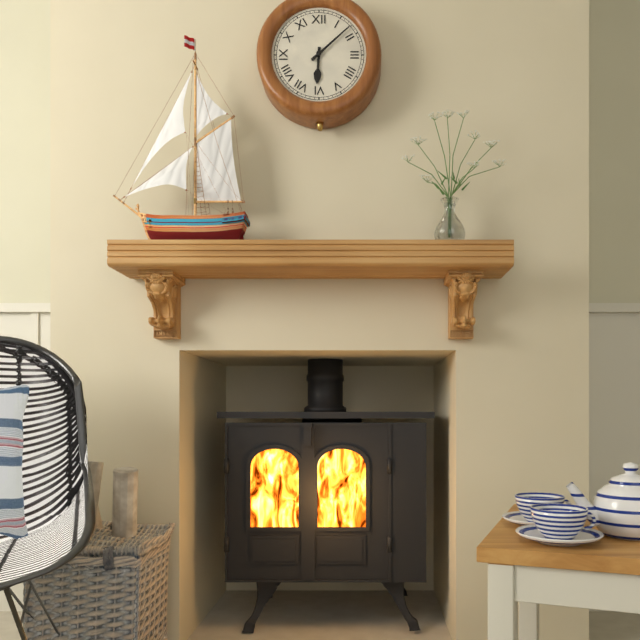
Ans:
6 h 08 min
